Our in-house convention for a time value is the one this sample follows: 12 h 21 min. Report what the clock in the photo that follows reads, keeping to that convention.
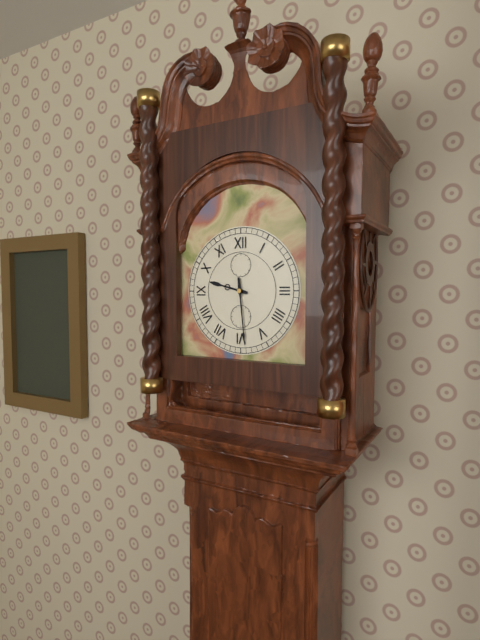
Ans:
9 h 29 min
